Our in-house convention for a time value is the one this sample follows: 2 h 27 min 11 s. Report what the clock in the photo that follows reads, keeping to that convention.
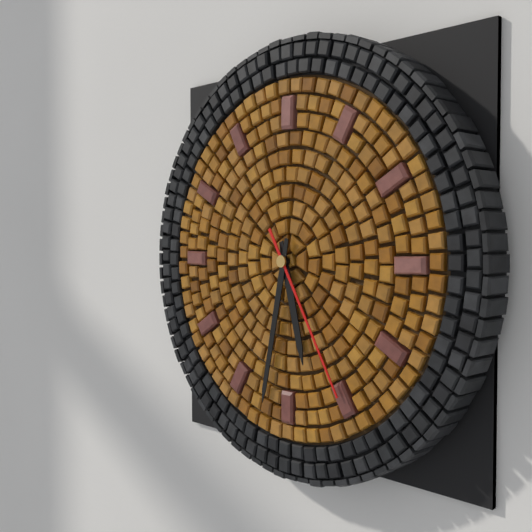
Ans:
5 h 32 min 25 s
